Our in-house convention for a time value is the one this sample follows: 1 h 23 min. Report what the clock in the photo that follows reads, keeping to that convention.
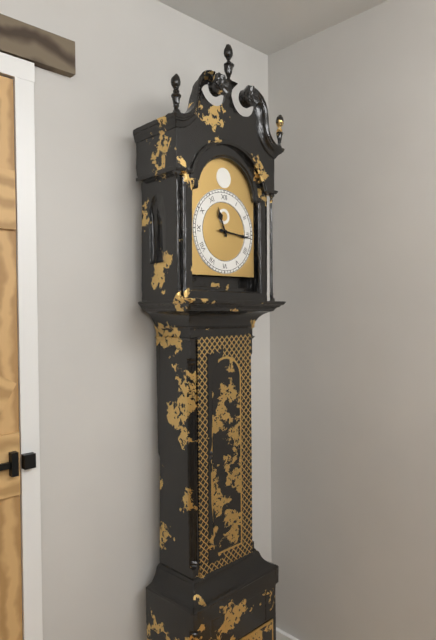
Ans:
11 h 16 min
